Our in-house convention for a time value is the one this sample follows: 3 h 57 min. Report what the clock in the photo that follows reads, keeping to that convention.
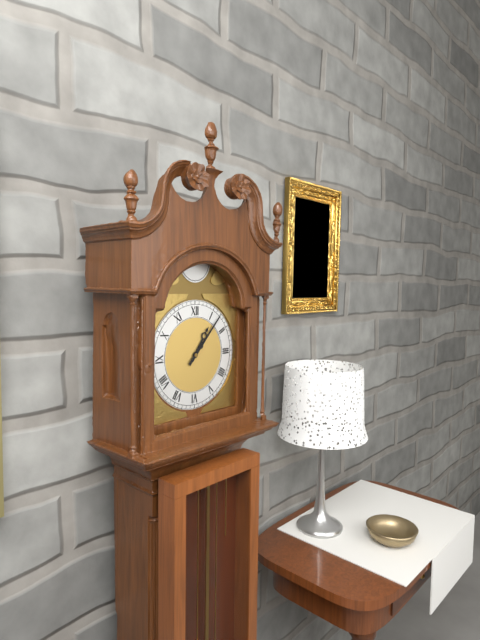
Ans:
1 h 07 min
